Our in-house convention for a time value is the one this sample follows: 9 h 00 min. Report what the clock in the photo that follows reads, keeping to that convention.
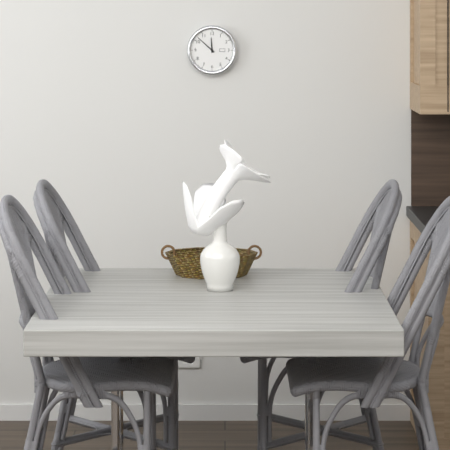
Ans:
11 h 52 min
